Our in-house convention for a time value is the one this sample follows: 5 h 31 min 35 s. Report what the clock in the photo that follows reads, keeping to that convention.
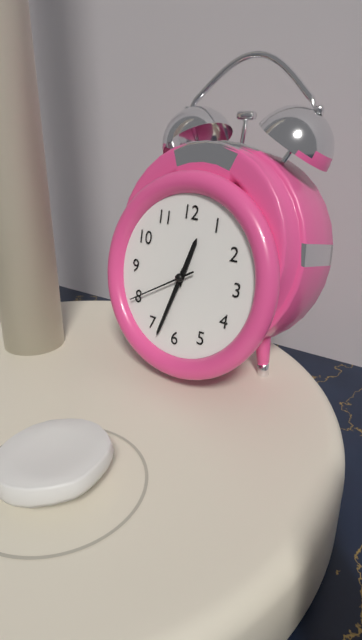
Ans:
12 h 33 min 40 s
